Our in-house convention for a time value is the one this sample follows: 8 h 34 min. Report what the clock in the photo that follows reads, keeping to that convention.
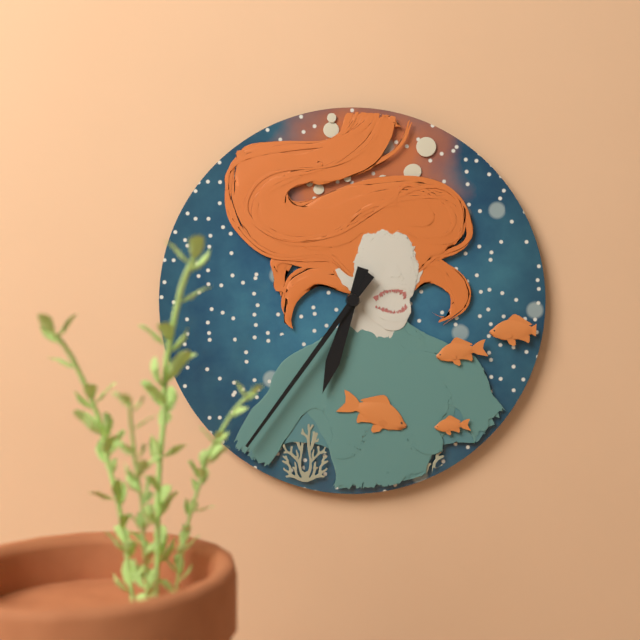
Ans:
6 h 36 min
